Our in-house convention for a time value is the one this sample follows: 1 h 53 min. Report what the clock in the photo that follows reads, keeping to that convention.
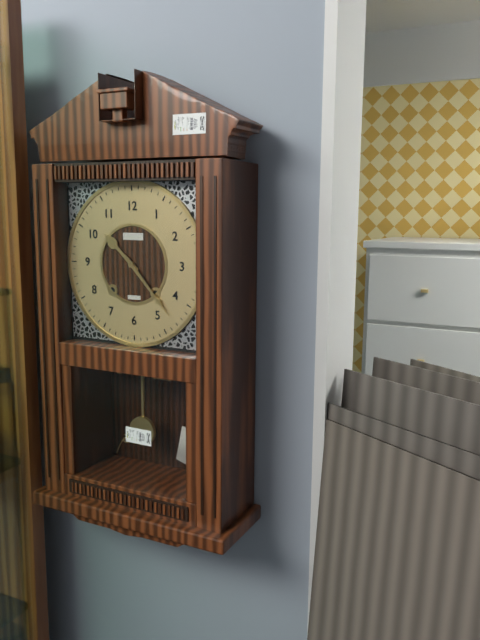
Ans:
10 h 23 min
